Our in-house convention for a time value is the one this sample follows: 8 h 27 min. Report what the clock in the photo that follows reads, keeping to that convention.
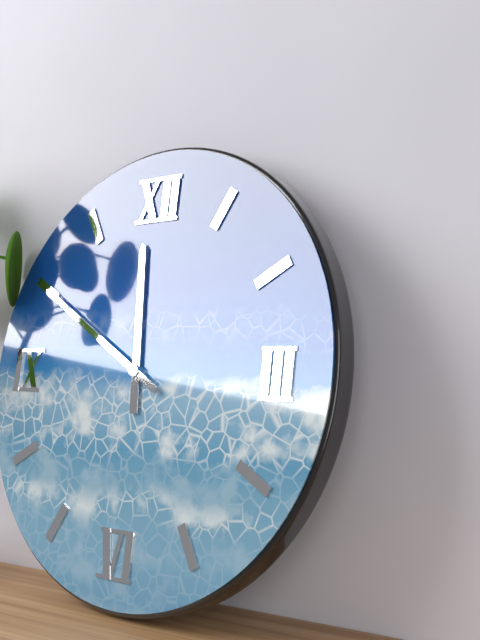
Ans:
11 h 50 min
